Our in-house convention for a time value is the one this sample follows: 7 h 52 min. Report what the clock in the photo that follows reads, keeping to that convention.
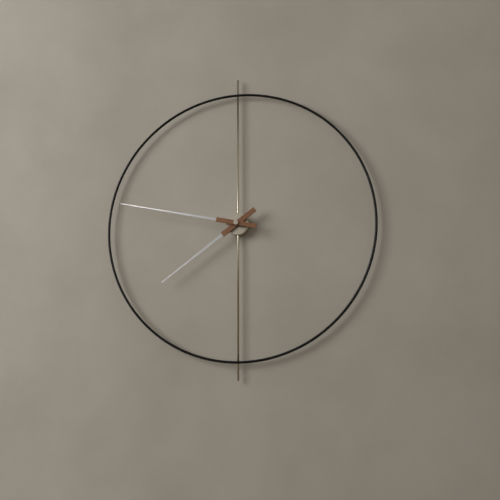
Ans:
7 h 47 min
